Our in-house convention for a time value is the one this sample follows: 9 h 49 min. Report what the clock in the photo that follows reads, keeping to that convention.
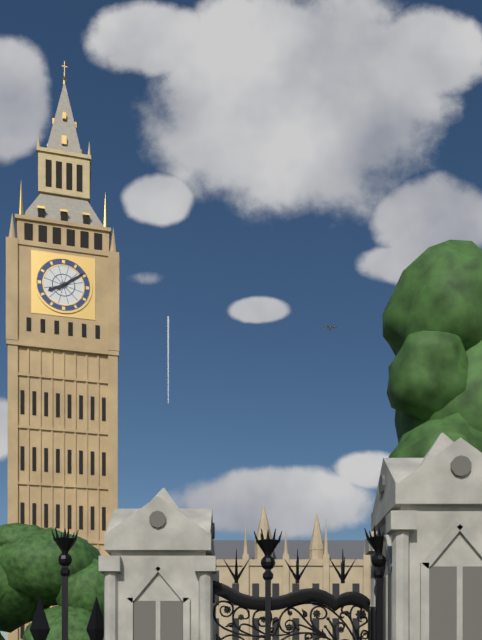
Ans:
8 h 09 min
